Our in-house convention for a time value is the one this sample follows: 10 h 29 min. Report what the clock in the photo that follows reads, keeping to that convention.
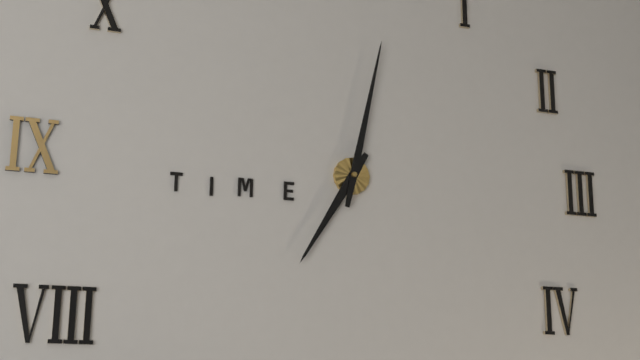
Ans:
7 h 02 min
